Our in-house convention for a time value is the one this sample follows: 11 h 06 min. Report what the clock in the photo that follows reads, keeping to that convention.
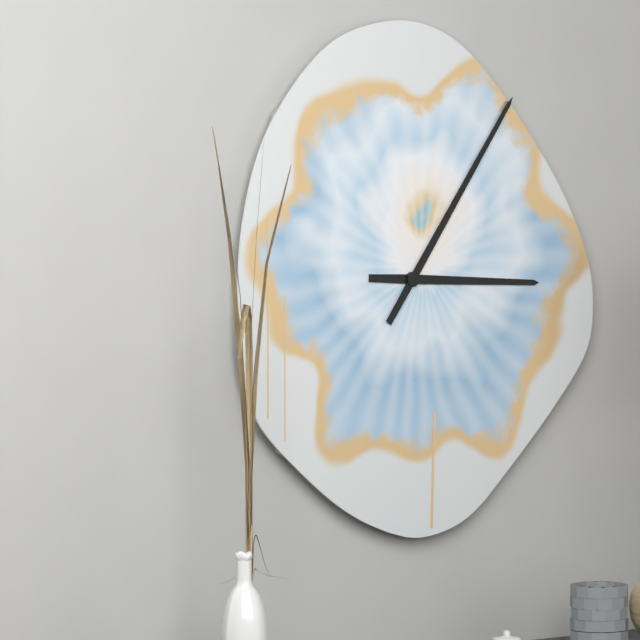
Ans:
3 h 06 min
